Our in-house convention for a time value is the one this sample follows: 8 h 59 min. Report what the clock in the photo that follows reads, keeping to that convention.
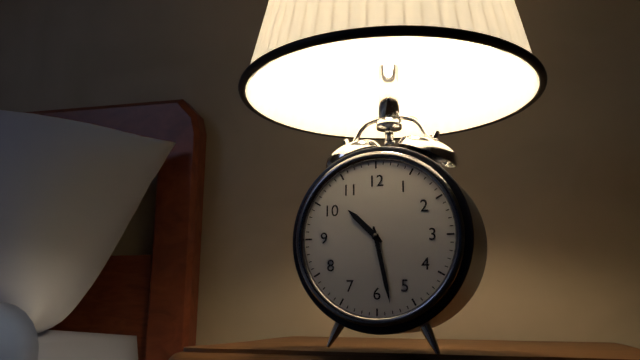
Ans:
10 h 28 min
